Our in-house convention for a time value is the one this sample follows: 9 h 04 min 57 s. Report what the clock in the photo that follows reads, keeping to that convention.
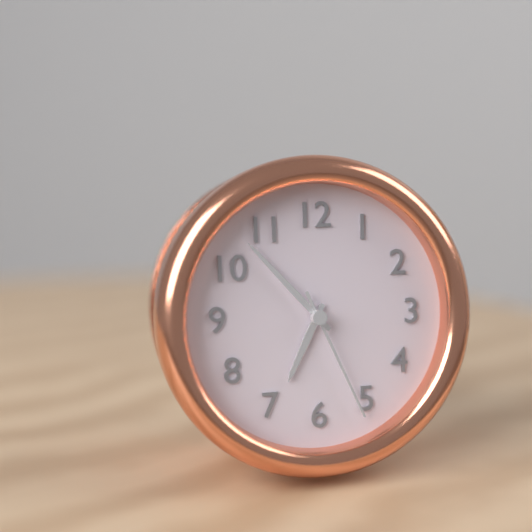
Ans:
6 h 53 min 26 s
